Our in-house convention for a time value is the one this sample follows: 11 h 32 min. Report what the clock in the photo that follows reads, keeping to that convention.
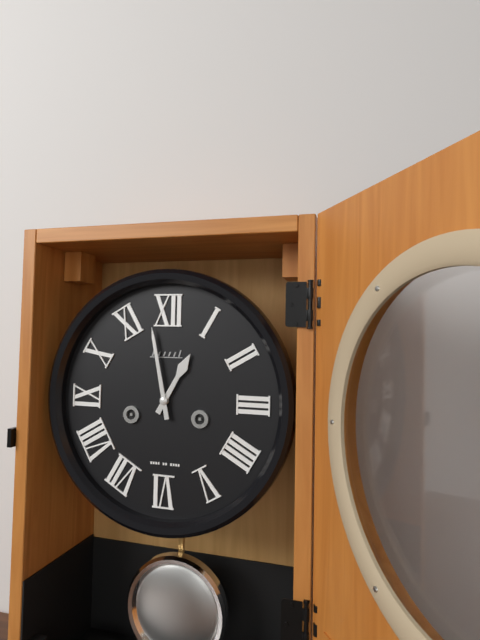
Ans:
12 h 58 min
